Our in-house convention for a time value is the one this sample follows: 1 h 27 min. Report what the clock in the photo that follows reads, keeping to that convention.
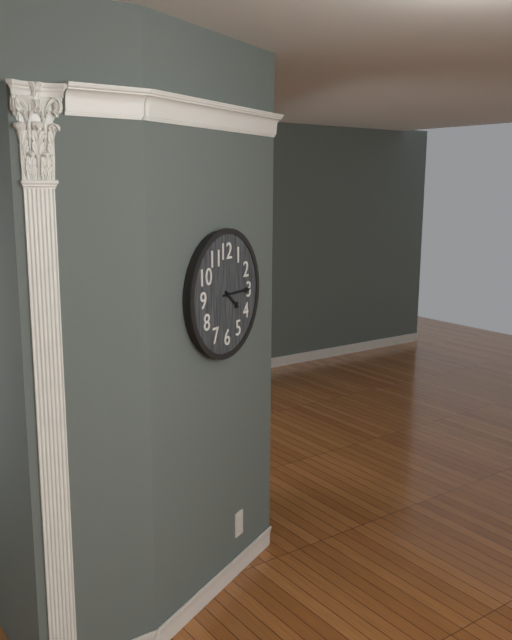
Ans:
4 h 15 min
